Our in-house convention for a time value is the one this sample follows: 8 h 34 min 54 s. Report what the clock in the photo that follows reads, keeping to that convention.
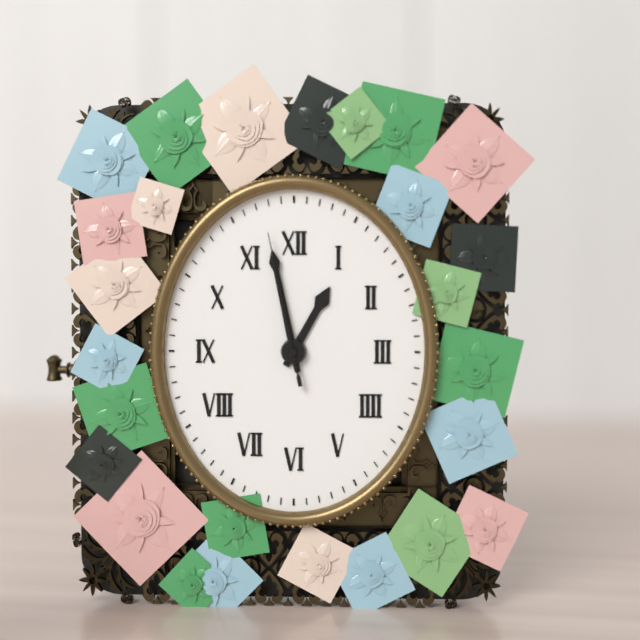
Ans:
12 h 58 min 58 s
